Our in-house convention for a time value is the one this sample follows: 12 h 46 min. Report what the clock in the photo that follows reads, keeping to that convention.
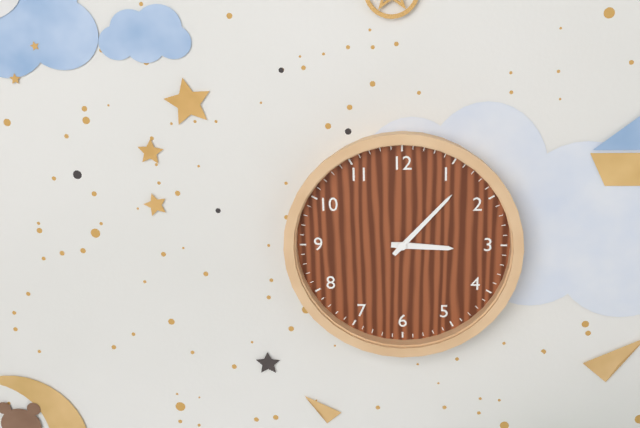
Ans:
3 h 07 min
